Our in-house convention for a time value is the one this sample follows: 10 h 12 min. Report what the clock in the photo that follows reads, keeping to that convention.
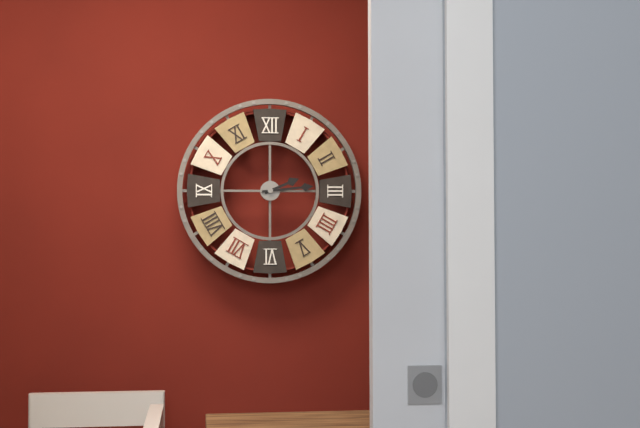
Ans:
2 h 14 min
